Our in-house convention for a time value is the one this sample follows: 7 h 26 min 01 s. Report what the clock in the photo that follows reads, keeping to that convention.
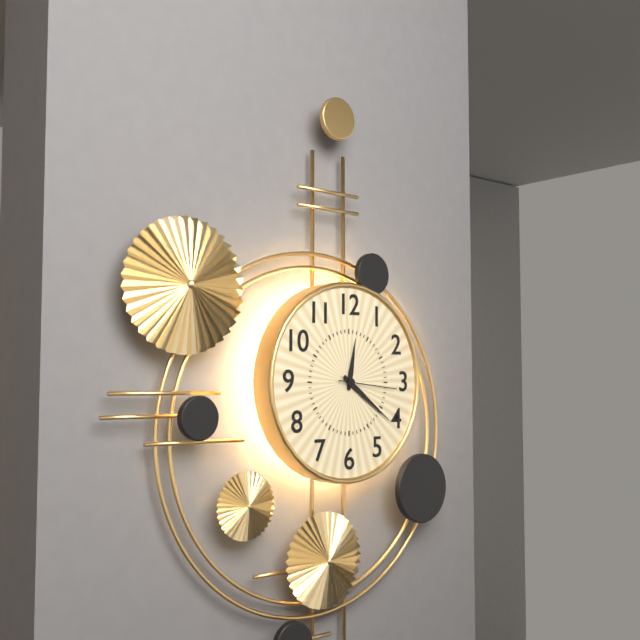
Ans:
12 h 21 min 16 s
